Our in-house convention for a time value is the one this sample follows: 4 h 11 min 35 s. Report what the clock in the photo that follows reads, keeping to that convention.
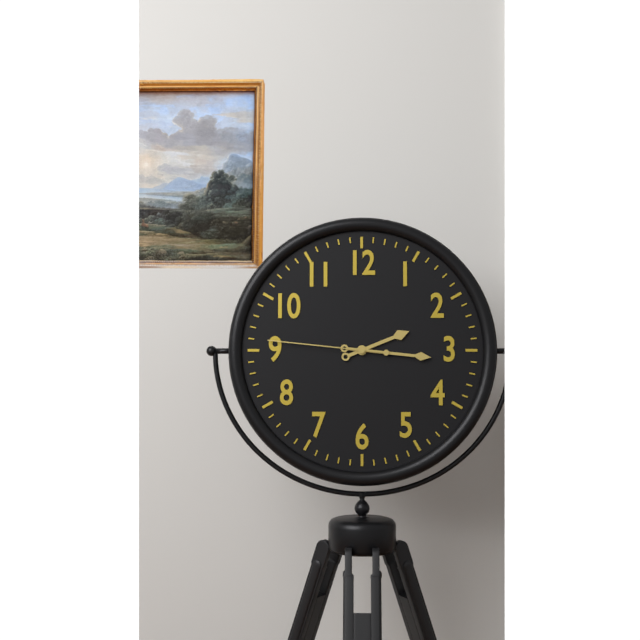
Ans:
2 h 16 min 46 s
